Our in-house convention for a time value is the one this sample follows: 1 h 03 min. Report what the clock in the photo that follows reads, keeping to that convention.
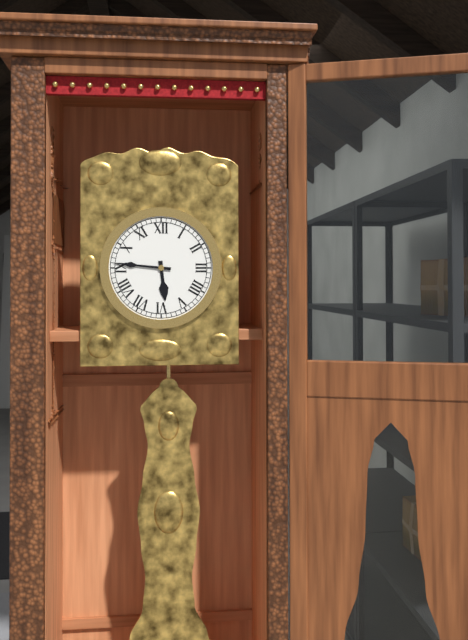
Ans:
5 h 46 min
